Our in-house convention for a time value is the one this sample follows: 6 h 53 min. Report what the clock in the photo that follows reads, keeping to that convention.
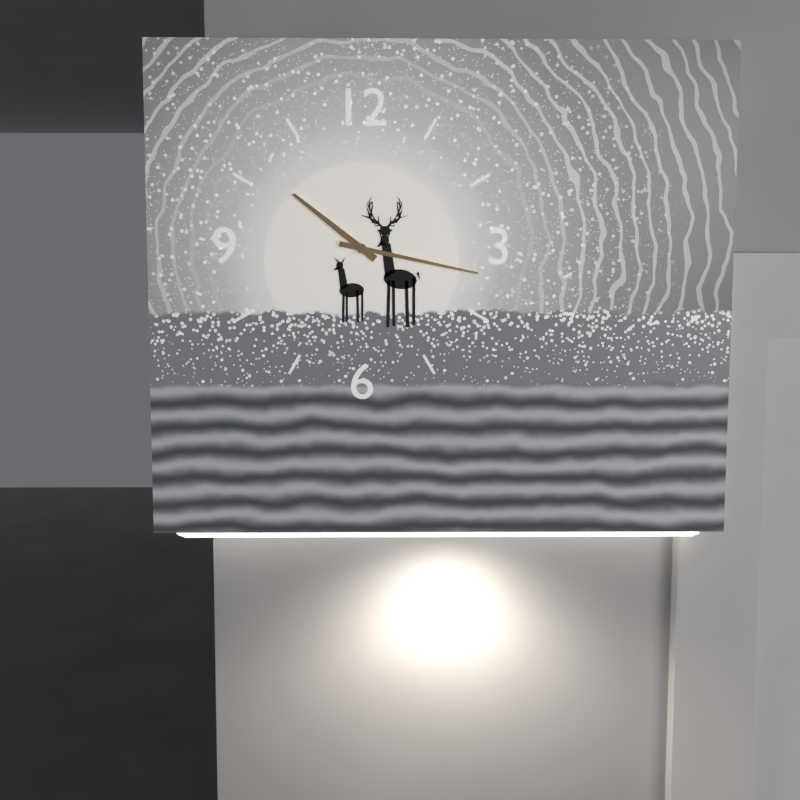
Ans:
10 h 17 min
